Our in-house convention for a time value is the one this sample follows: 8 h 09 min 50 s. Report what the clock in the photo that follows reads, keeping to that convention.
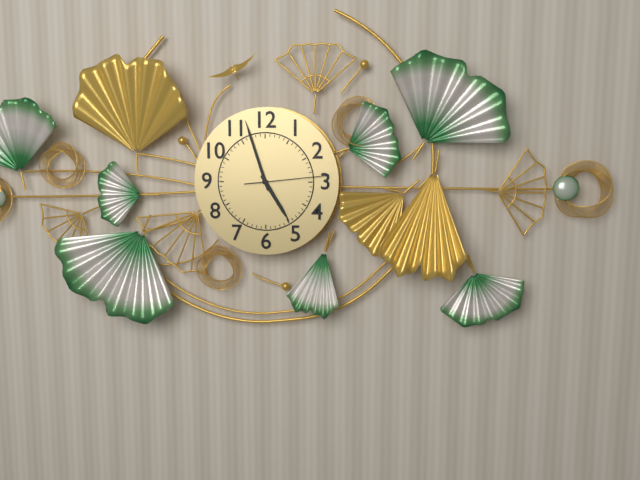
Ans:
4 h 57 min 14 s
